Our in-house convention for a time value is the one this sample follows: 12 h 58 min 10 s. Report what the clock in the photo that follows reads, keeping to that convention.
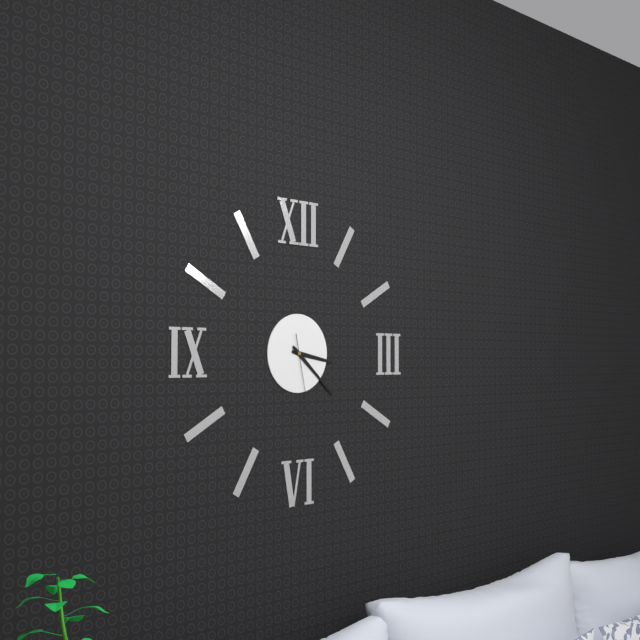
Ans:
3 h 22 min 28 s
